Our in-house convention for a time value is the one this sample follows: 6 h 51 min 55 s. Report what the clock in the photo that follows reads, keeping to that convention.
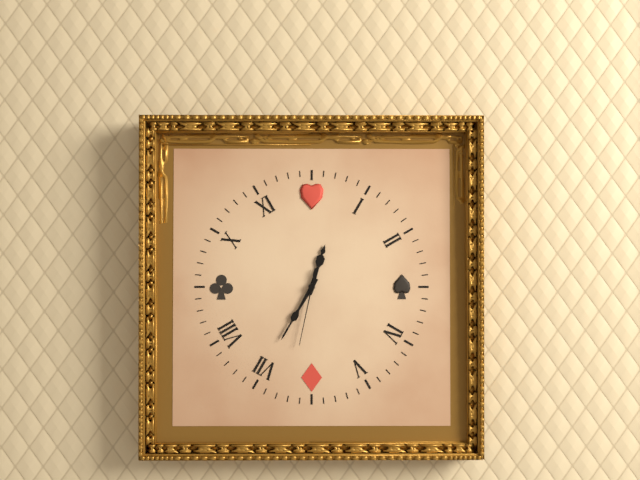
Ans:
12 h 35 min 32 s
